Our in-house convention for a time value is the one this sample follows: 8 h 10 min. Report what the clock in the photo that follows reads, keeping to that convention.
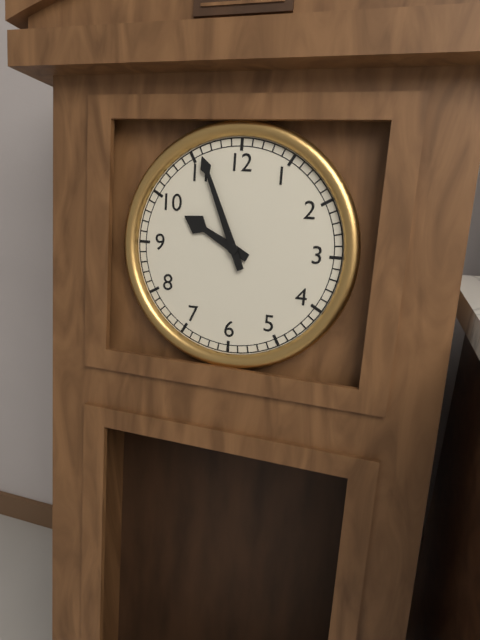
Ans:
9 h 56 min
